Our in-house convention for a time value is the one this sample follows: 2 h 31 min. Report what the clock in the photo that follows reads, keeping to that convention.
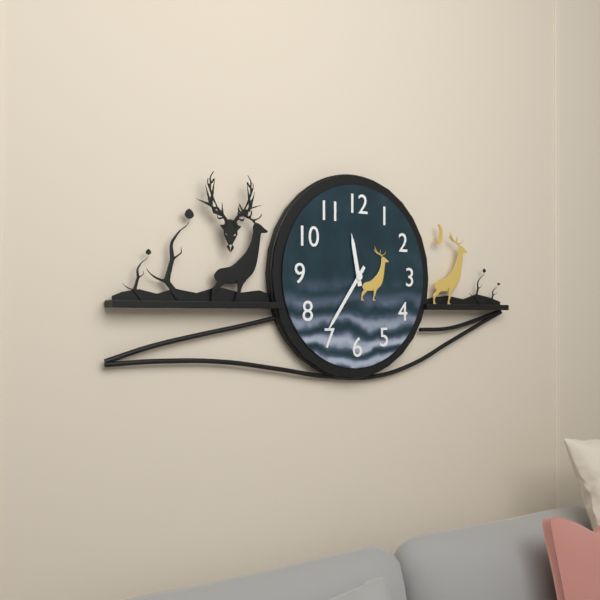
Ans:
11 h 36 min
